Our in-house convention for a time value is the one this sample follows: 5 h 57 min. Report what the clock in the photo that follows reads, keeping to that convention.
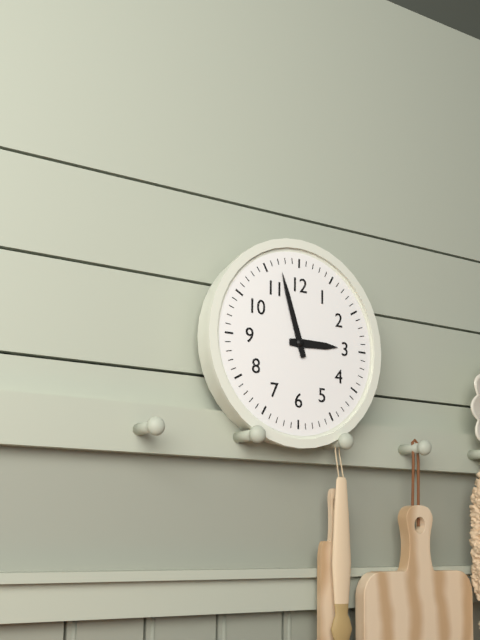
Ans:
2 h 57 min
